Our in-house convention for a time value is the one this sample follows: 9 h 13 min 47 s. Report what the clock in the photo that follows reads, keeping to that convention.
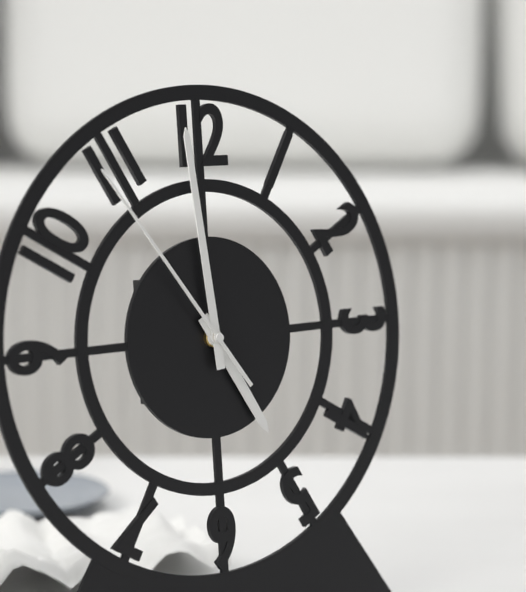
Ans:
4 h 59 min 54 s
